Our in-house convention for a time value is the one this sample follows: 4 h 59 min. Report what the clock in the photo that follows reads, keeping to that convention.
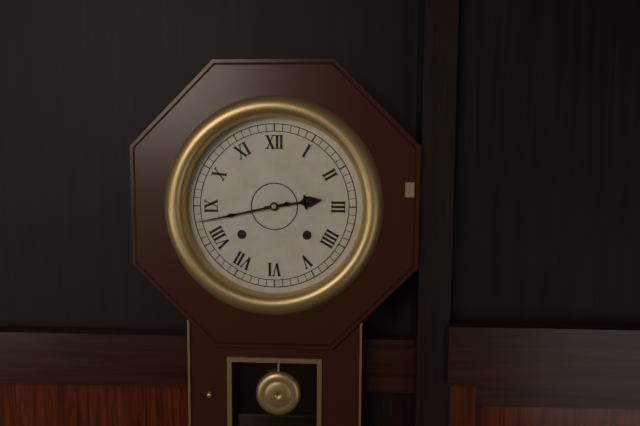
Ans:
2 h 43 min
